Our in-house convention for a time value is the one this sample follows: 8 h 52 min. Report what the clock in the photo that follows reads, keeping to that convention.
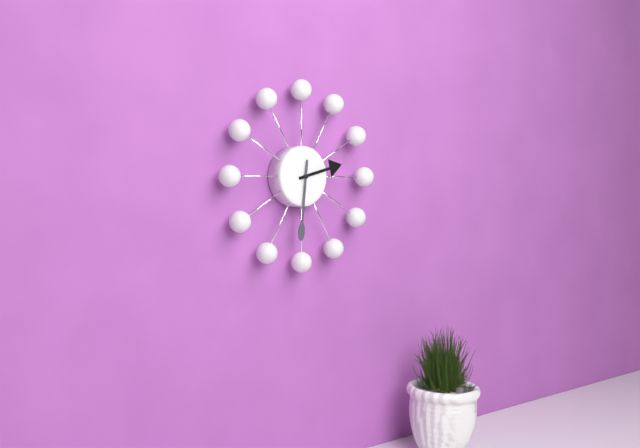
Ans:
2 h 31 min
